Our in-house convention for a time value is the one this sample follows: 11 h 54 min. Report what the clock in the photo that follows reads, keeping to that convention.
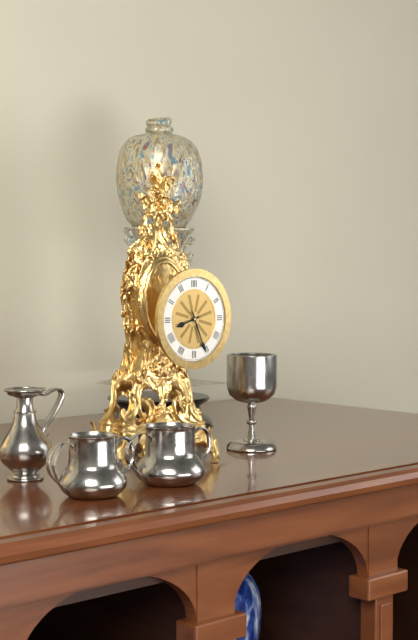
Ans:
8 h 26 min
